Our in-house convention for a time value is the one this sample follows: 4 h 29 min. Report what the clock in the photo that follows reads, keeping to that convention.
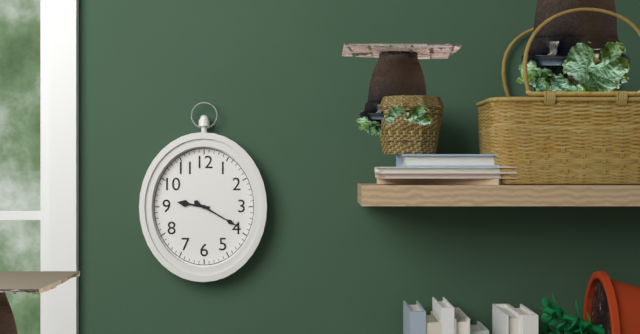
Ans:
9 h 20 min
